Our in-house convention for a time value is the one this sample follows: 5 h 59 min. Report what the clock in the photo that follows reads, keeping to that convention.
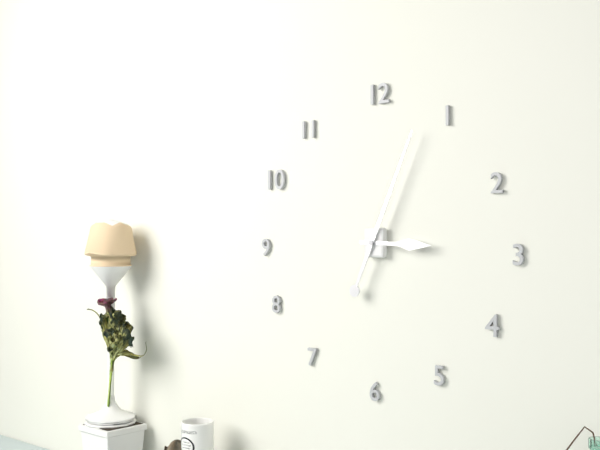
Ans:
3 h 04 min
